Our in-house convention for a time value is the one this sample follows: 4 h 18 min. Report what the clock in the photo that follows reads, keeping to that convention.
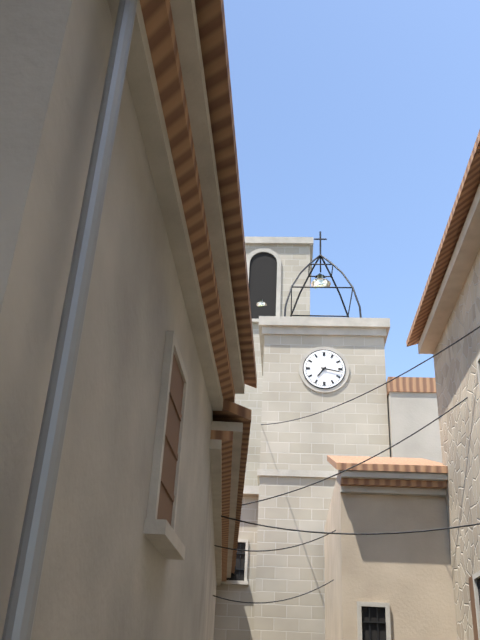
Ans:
7 h 17 min
